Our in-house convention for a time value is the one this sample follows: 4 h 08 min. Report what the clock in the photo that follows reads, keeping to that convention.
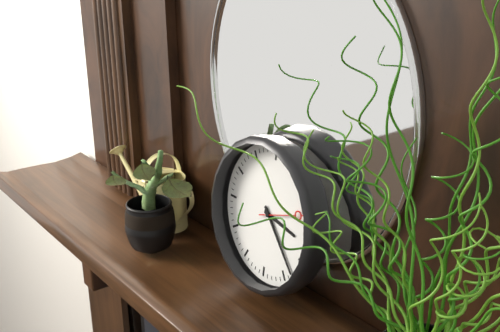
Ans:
3 h 23 min
